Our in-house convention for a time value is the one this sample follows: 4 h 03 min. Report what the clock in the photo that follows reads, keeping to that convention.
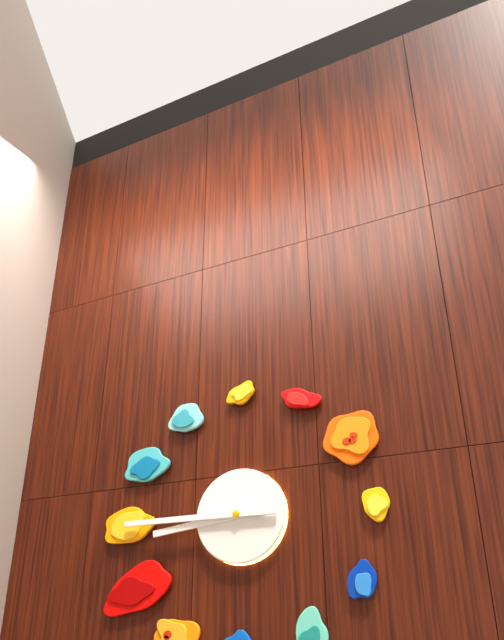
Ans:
8 h 45 min
